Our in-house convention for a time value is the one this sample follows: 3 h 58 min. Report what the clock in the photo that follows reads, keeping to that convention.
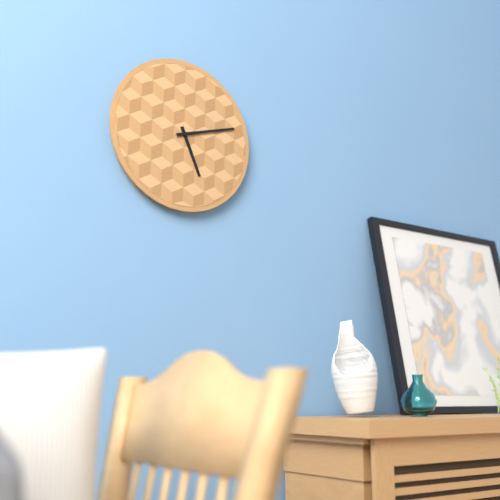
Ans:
5 h 12 min
